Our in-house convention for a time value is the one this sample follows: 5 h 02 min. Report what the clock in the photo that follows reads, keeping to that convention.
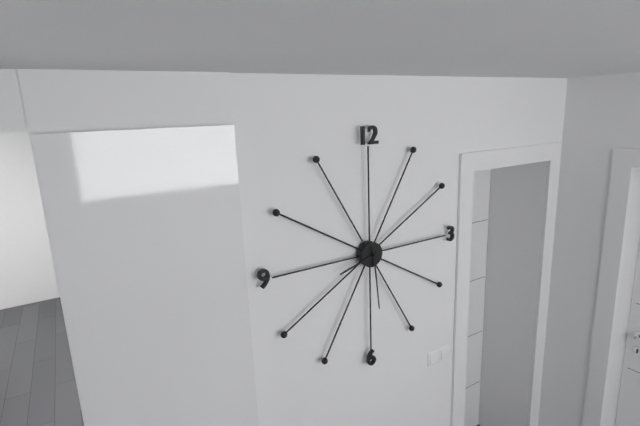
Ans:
8 h 29 min
